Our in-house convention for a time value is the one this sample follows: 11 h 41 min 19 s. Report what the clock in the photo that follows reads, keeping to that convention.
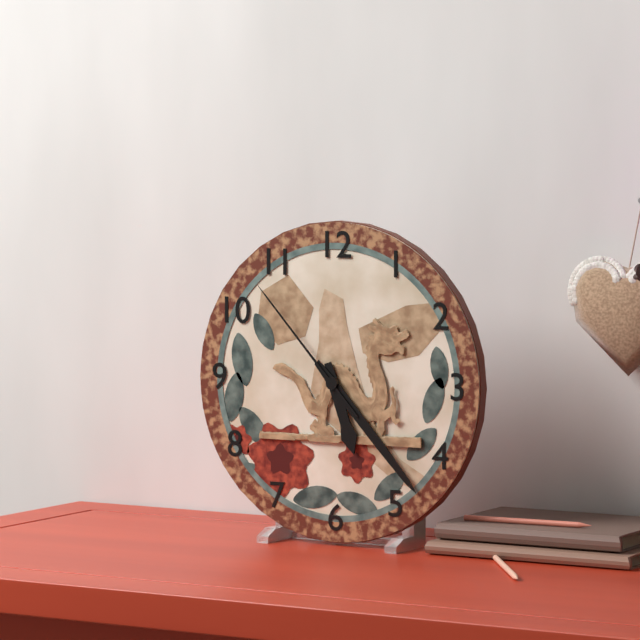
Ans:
5 h 23 min 53 s
